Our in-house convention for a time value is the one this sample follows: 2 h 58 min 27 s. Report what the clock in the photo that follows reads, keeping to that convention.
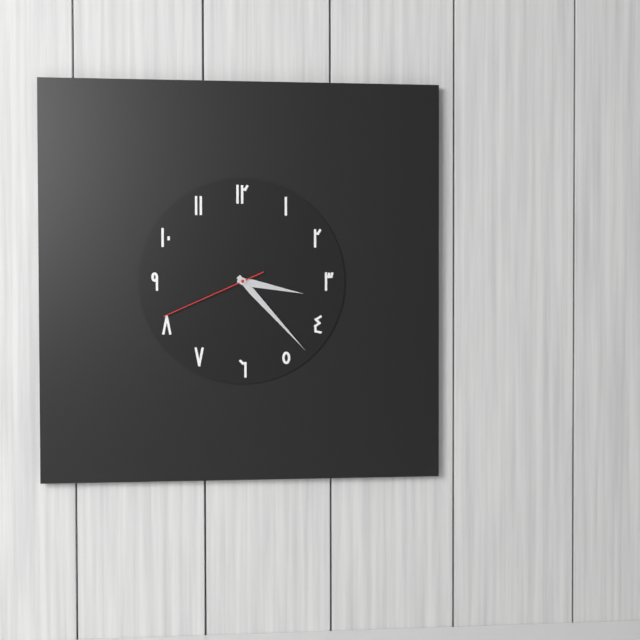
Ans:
3 h 23 min 41 s
